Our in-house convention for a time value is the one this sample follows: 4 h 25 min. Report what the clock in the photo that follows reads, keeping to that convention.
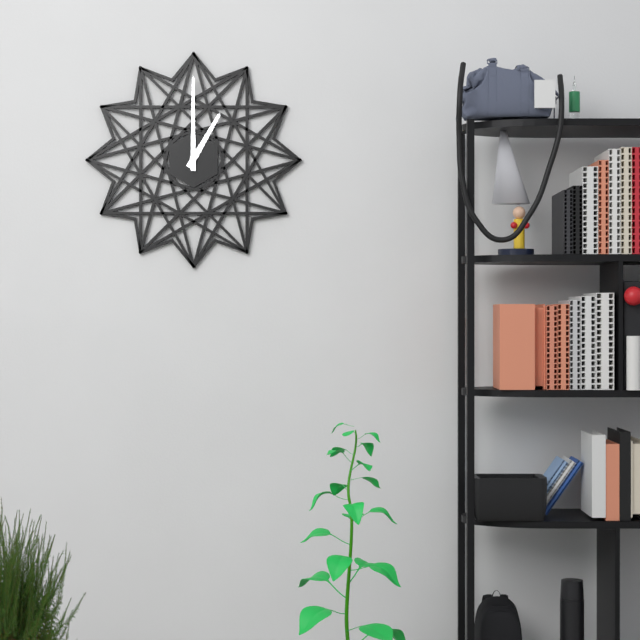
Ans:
1 h 00 min
